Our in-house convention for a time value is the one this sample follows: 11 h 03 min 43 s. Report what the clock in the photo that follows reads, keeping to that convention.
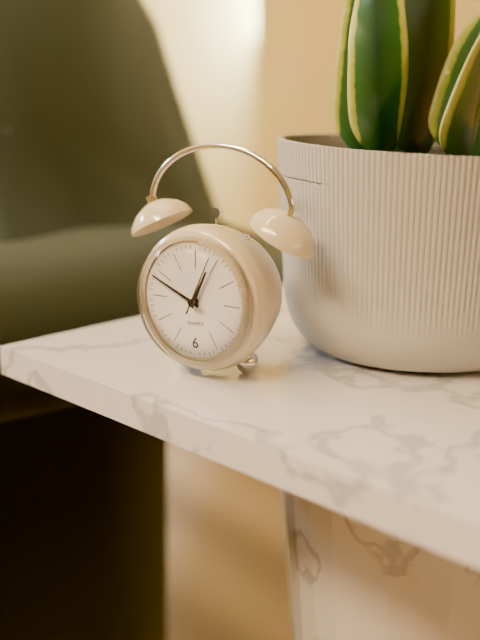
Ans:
12 h 49 min 04 s
